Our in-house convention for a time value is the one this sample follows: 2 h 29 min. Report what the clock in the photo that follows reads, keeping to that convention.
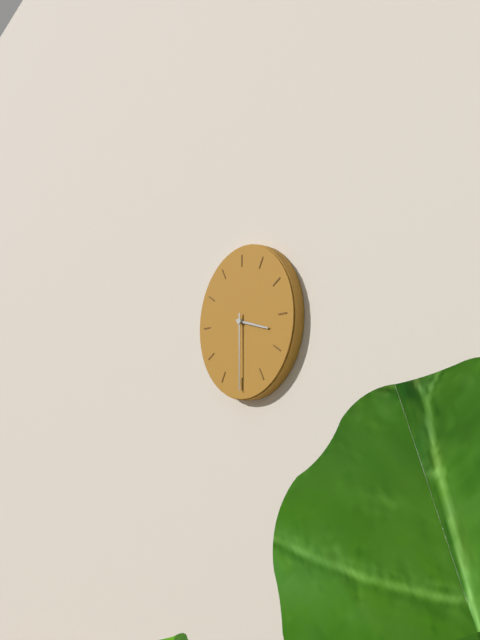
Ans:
3 h 30 min
